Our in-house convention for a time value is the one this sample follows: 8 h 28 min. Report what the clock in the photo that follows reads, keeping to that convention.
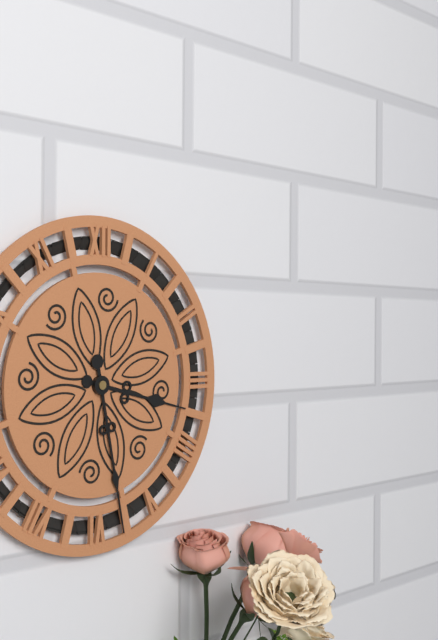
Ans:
3 h 28 min
